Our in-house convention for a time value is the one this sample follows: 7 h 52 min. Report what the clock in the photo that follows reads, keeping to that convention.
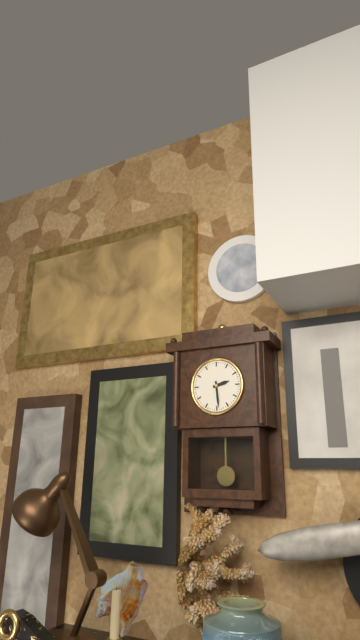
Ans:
2 h 29 min
